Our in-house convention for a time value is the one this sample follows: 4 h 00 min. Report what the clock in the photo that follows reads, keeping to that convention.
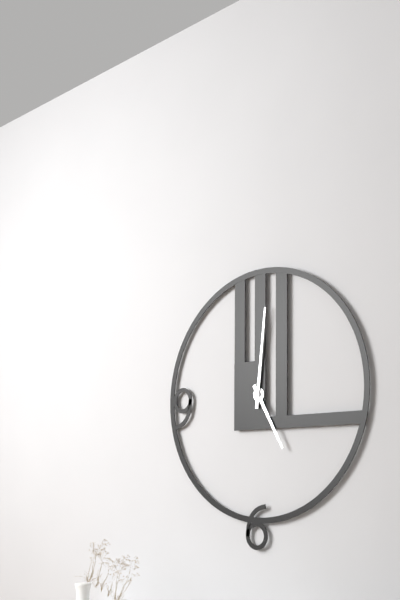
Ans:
5 h 01 min
